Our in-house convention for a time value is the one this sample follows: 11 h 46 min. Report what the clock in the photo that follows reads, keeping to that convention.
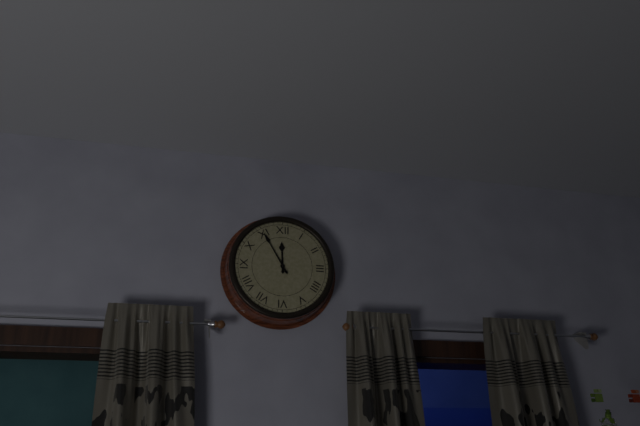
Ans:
11 h 55 min
